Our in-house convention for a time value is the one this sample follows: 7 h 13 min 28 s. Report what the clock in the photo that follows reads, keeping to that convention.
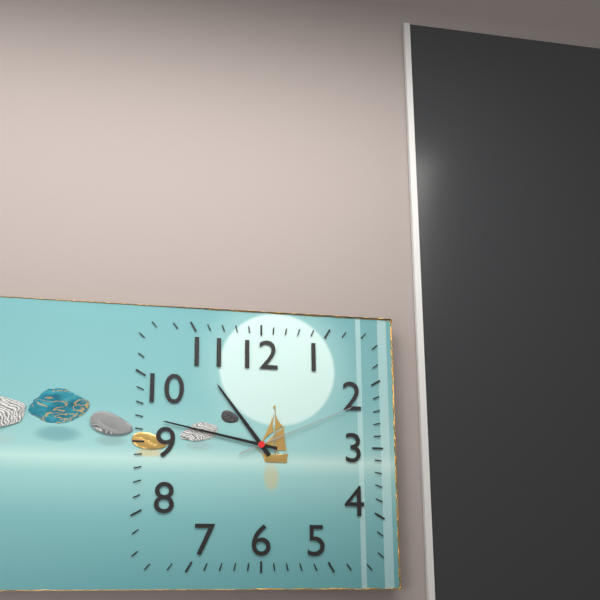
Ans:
10 h 47 min 11 s
